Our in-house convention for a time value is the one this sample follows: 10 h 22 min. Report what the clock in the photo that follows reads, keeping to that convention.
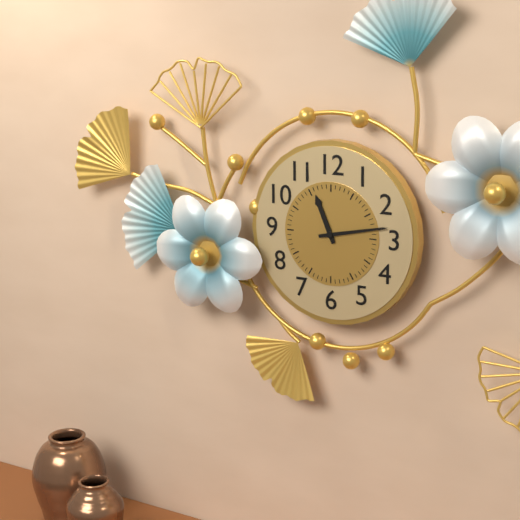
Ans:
11 h 13 min
